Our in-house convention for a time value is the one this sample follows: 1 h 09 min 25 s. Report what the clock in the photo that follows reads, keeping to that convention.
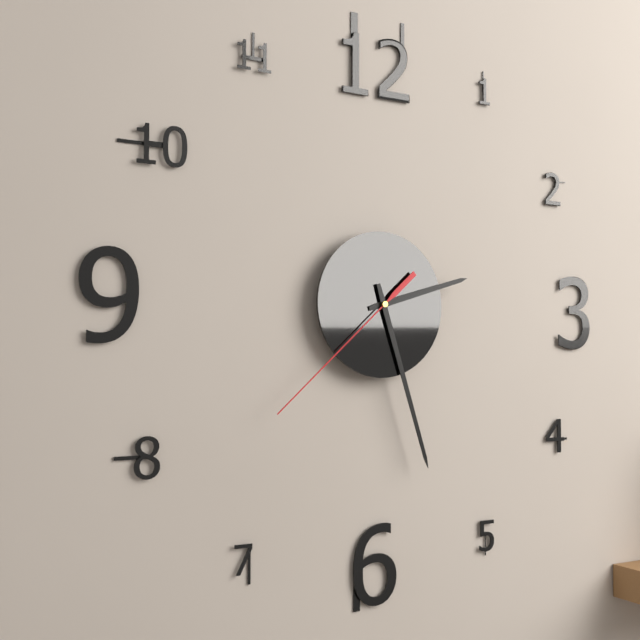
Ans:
2 h 27 min 38 s
